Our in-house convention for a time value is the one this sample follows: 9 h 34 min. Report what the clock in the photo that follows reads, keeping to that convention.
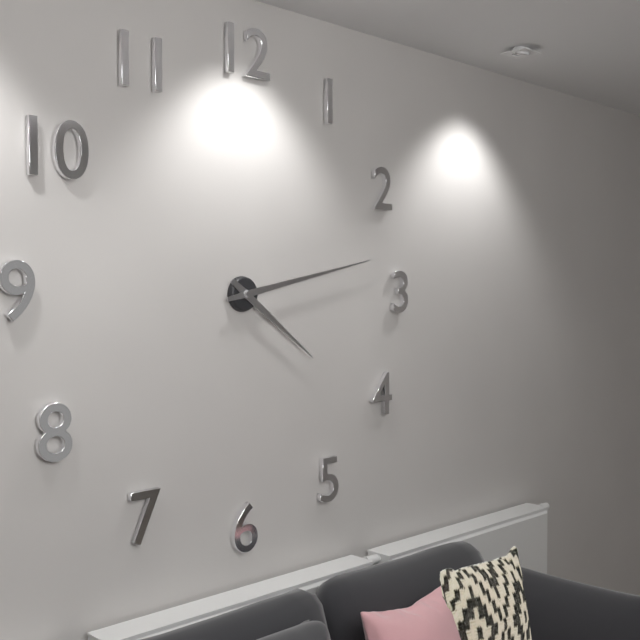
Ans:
4 h 13 min
